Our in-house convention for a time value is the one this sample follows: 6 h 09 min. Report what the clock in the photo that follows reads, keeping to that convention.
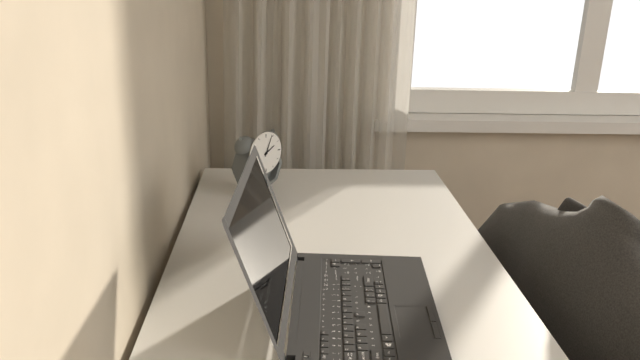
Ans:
2 h 04 min
